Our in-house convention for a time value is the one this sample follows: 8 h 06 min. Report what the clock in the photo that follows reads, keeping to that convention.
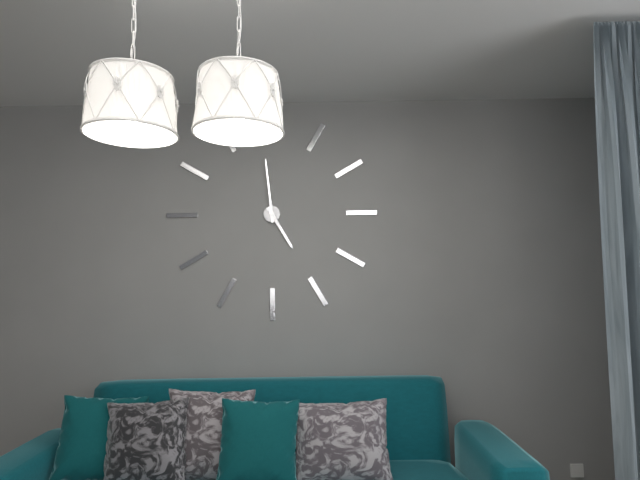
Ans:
4 h 59 min
